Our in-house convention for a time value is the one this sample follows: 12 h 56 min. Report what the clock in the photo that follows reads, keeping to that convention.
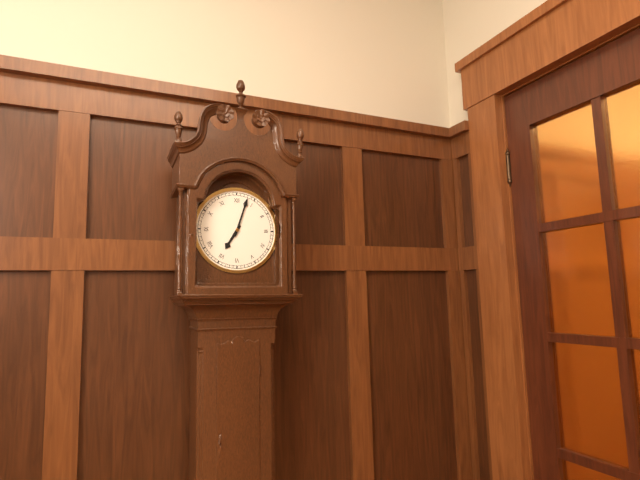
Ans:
7 h 03 min
